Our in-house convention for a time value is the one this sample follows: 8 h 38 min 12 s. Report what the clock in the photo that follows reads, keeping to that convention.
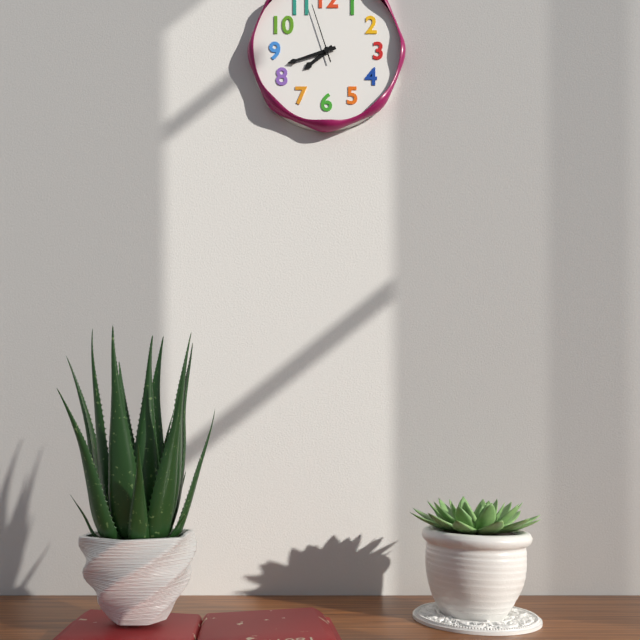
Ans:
7 h 42 min 57 s
